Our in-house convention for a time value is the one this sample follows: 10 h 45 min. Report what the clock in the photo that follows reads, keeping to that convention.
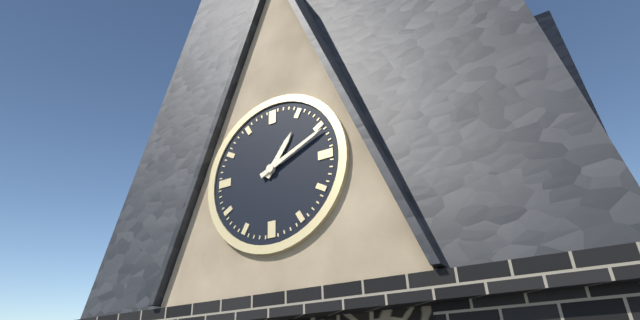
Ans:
1 h 11 min
